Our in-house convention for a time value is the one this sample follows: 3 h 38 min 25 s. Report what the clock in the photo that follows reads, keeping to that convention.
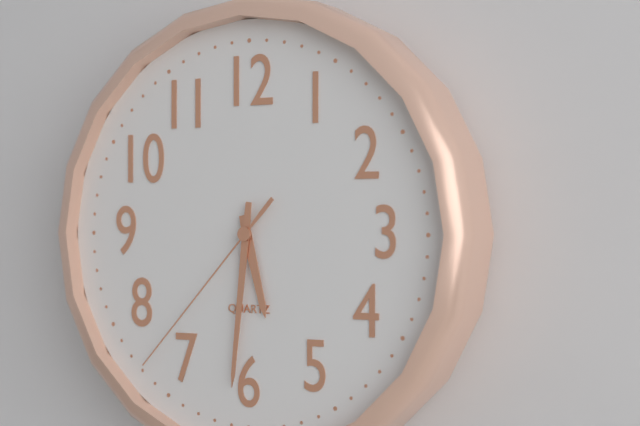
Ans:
5 h 31 min 37 s
